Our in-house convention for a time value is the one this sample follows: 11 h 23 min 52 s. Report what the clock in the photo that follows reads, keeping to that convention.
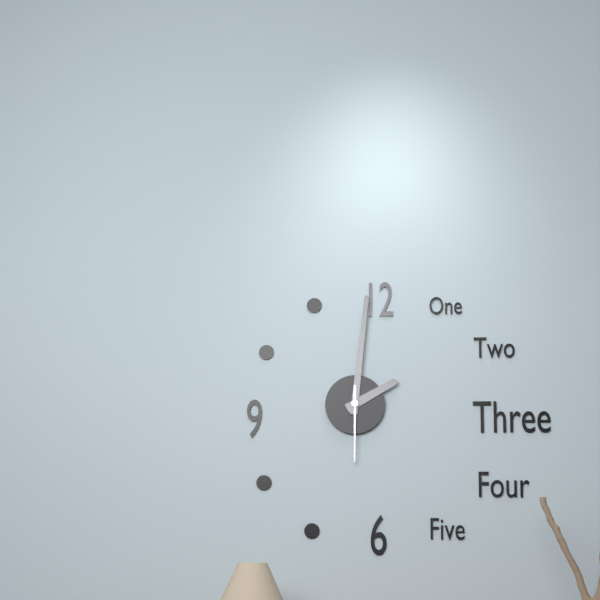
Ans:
2 h 01 min 30 s
